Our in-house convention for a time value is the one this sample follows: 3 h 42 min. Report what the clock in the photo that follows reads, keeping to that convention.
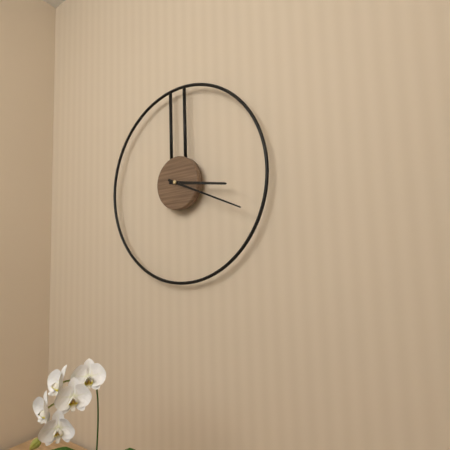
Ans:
3 h 19 min
